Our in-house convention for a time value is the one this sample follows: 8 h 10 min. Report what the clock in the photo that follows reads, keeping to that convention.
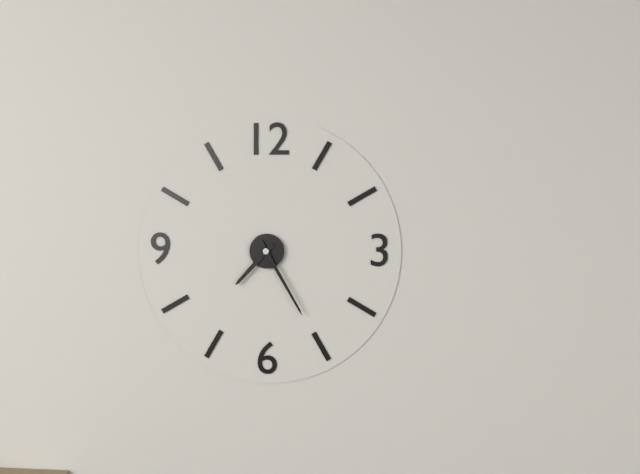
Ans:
7 h 25 min
